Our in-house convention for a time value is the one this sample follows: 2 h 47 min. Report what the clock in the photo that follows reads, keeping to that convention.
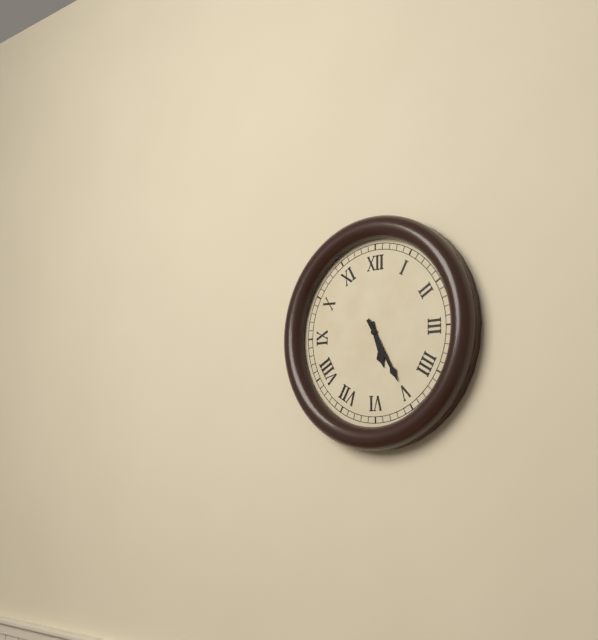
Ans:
5 h 25 min
